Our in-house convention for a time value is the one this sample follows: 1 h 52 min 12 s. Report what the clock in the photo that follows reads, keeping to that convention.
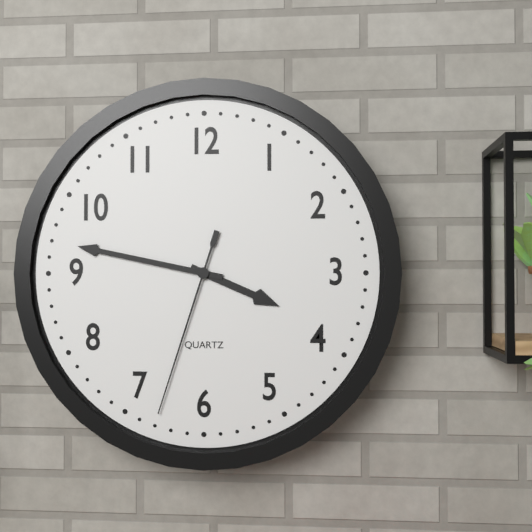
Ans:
3 h 47 min 33 s
